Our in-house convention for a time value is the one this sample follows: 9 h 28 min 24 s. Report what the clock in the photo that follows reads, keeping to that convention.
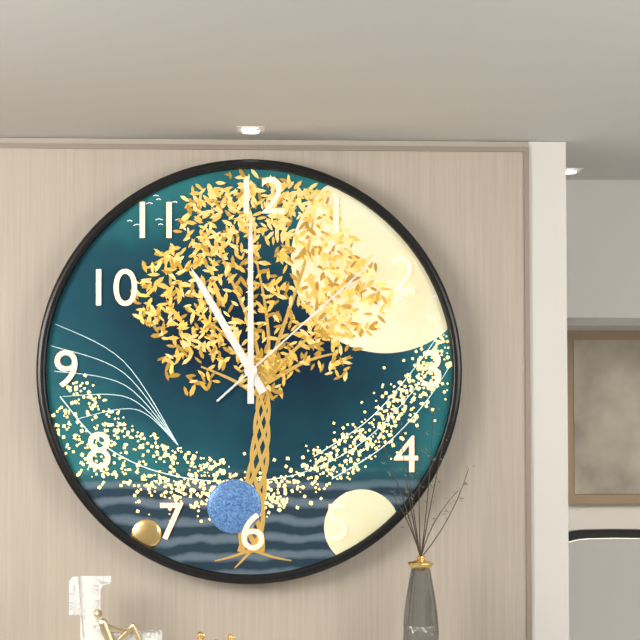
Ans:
11 h 00 min 08 s
